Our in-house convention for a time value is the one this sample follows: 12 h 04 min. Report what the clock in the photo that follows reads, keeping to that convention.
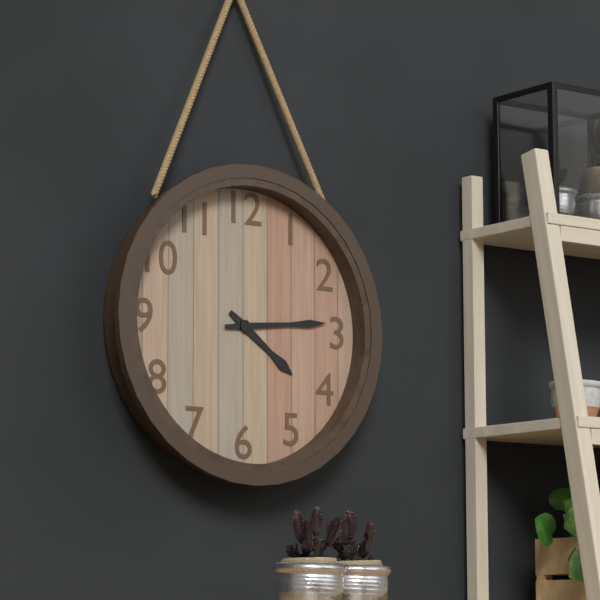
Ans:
4 h 14 min
